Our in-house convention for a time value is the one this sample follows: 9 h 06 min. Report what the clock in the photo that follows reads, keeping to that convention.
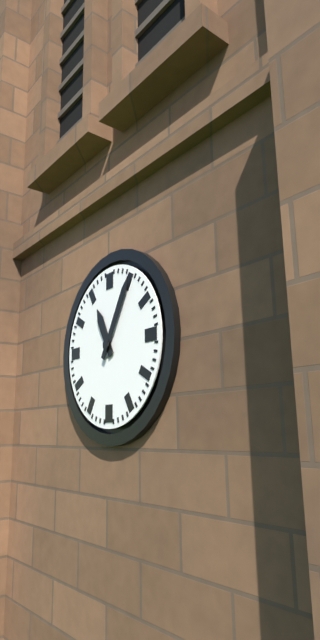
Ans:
11 h 05 min
